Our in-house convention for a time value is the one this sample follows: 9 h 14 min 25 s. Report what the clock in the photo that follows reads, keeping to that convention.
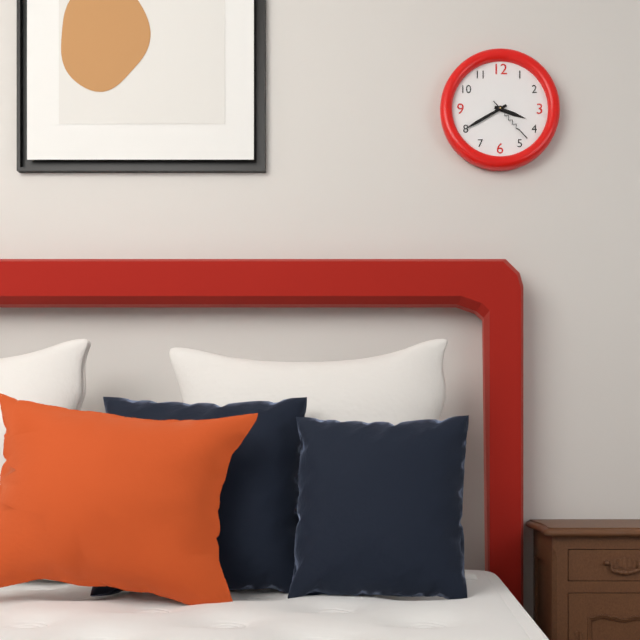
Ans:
3 h 40 min 23 s
